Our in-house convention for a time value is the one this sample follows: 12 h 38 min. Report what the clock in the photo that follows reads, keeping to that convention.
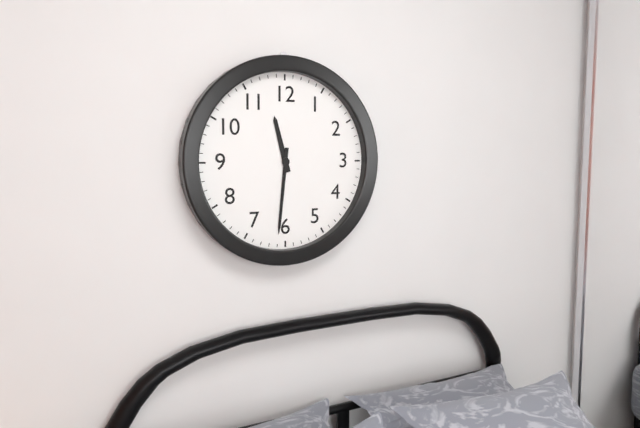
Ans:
11 h 31 min
